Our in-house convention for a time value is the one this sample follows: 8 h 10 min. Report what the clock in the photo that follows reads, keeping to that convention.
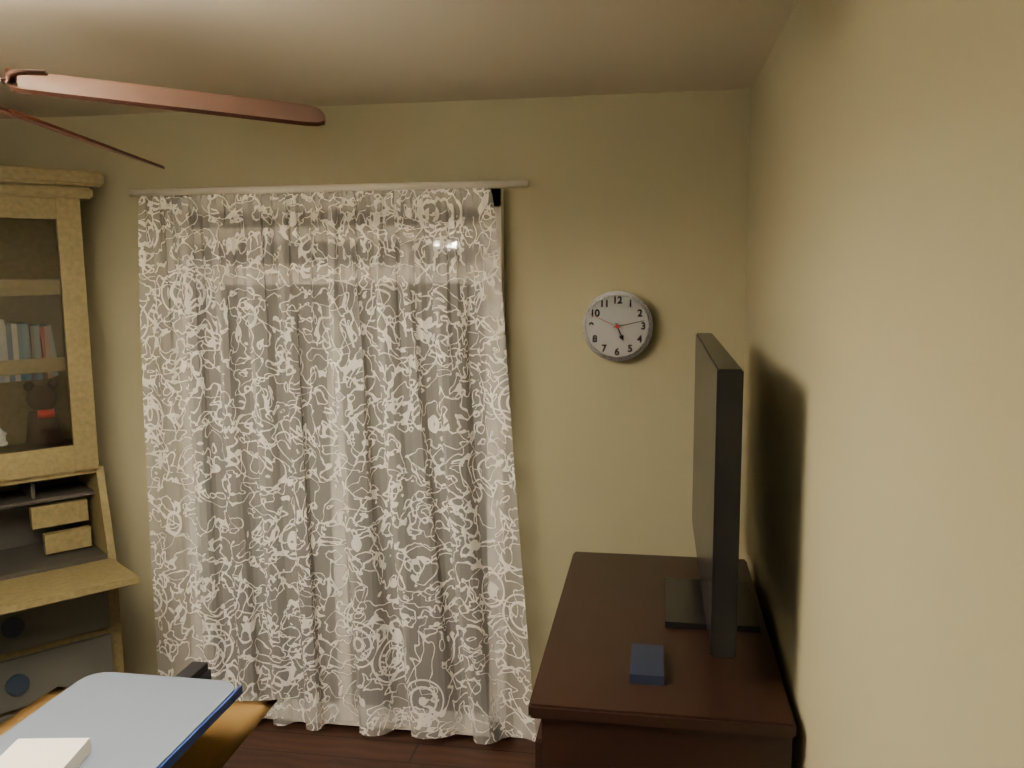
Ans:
5 h 13 min
